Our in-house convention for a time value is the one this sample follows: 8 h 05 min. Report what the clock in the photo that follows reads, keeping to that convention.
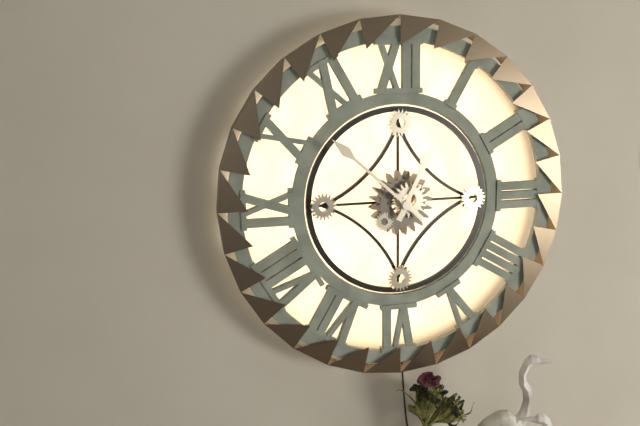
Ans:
12 h 52 min
